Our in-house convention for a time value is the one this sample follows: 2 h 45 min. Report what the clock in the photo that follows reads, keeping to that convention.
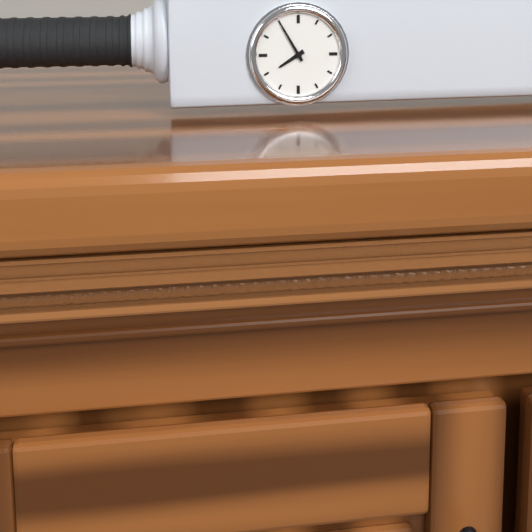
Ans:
7 h 55 min
